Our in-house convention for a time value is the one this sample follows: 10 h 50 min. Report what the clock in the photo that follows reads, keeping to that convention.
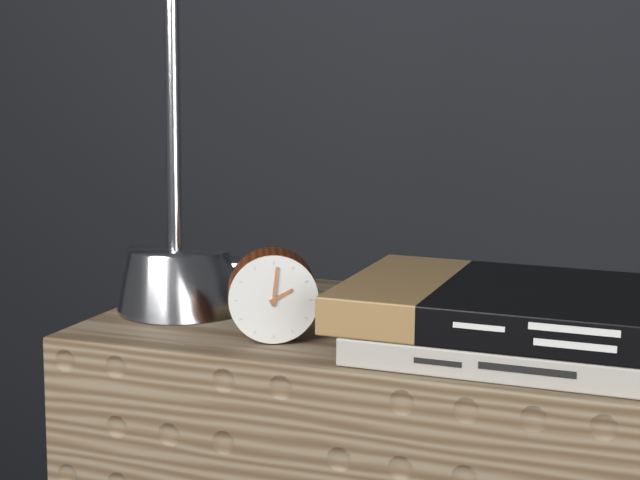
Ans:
2 h 01 min
